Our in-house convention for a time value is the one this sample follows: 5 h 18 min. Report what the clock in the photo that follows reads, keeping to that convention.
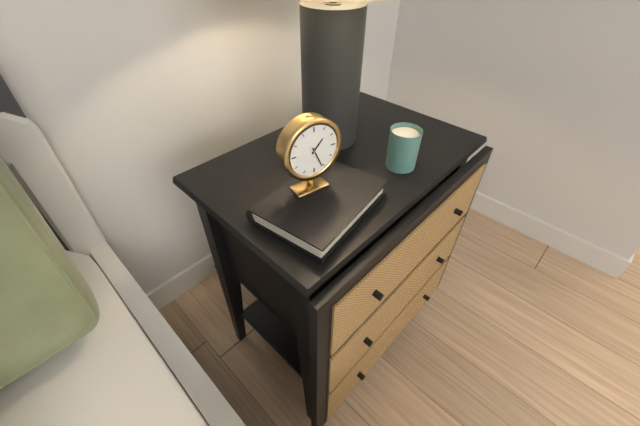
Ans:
1 h 26 min
